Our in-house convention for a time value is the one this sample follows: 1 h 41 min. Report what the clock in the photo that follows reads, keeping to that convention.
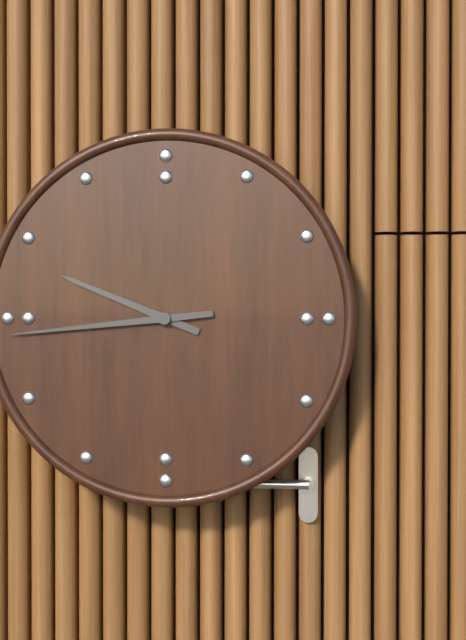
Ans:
9 h 44 min
